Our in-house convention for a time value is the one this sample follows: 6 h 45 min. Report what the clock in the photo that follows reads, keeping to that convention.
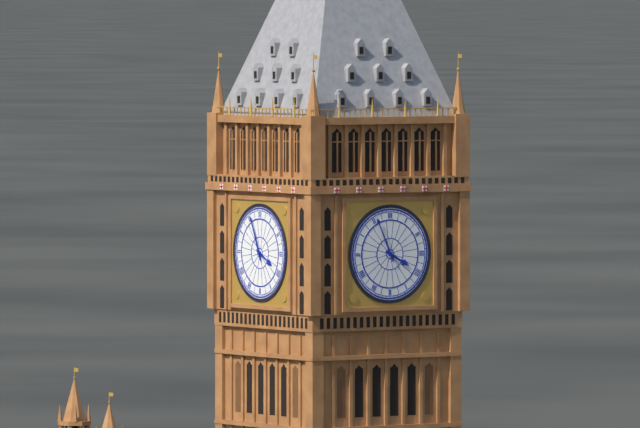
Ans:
3 h 56 min
